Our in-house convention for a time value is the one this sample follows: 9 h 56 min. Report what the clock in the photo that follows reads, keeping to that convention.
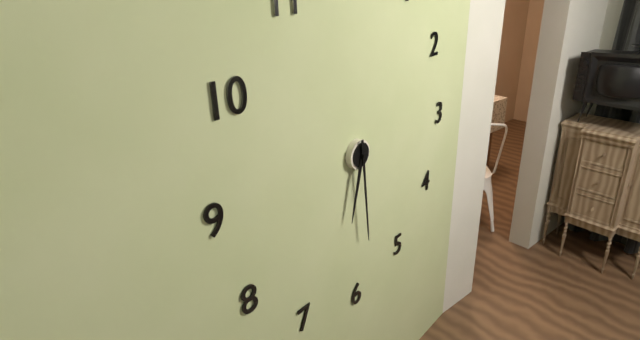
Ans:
6 h 29 min
